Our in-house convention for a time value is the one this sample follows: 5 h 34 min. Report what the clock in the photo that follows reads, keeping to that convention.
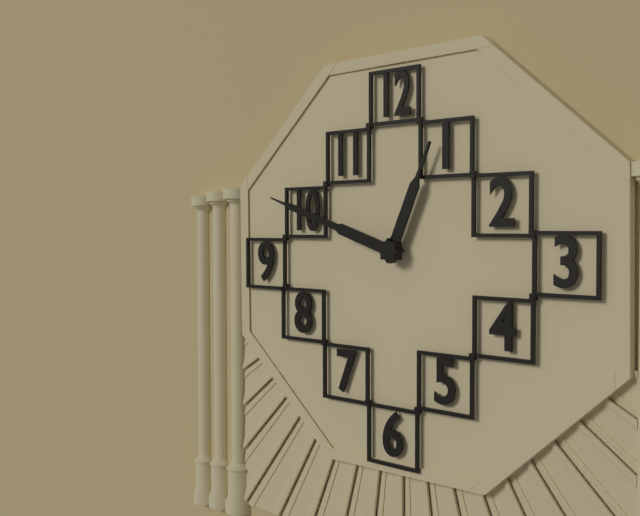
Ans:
12 h 48 min
